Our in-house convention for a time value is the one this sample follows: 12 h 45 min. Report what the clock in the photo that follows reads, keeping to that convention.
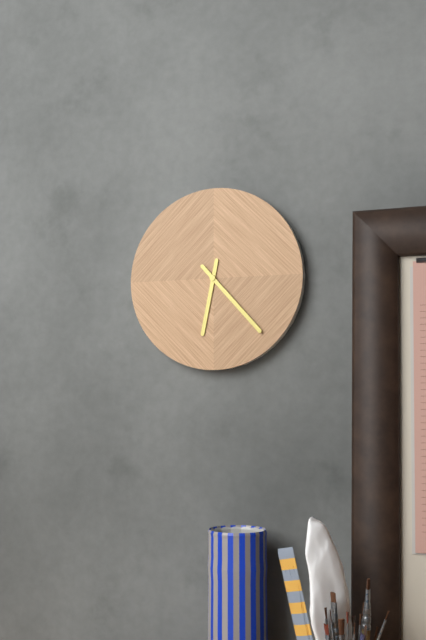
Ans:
6 h 23 min
